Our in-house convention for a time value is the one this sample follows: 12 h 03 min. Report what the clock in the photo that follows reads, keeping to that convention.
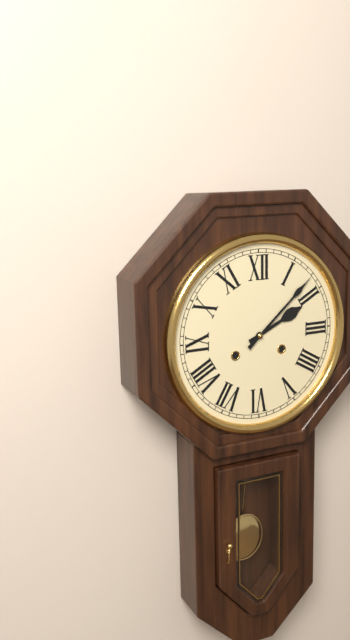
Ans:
2 h 08 min
